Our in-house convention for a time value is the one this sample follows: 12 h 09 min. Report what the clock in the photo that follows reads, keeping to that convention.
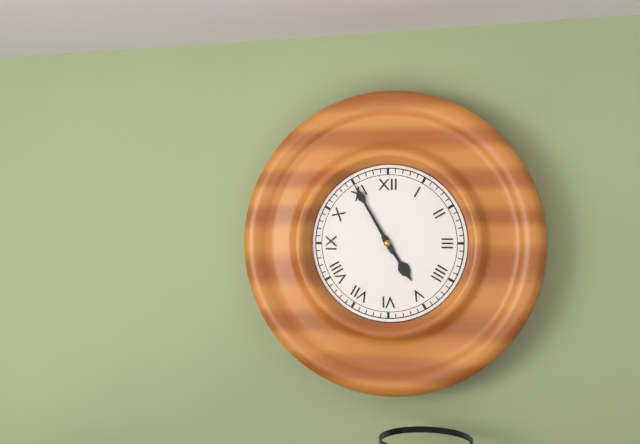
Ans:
4 h 55 min
